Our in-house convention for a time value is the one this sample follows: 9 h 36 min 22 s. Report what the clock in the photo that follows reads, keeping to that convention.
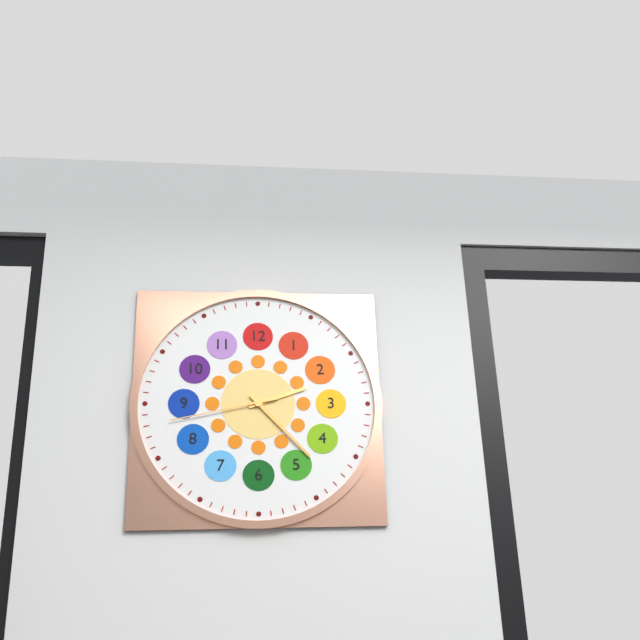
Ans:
2 h 23 min 43 s
